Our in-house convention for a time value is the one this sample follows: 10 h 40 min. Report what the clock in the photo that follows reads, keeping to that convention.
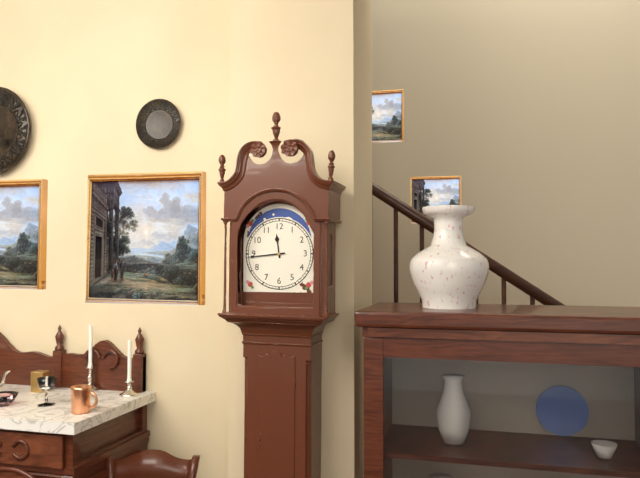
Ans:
11 h 44 min
